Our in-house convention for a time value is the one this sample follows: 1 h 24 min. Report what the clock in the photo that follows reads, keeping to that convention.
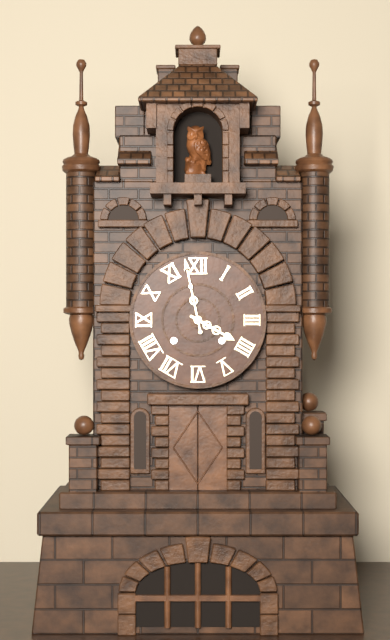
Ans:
3 h 58 min
